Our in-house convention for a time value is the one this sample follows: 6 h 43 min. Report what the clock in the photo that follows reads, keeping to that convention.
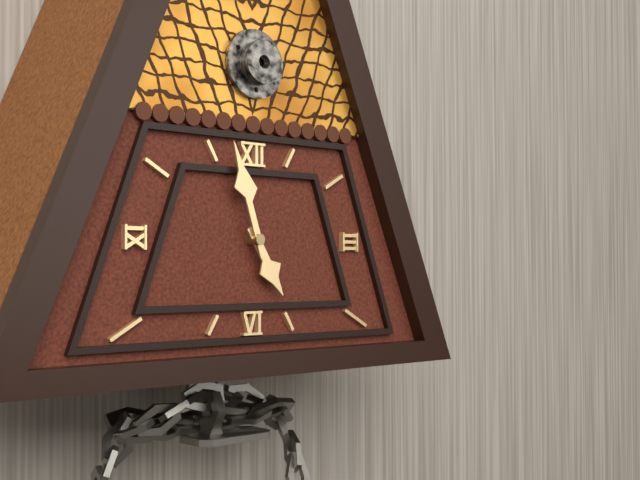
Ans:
4 h 57 min
